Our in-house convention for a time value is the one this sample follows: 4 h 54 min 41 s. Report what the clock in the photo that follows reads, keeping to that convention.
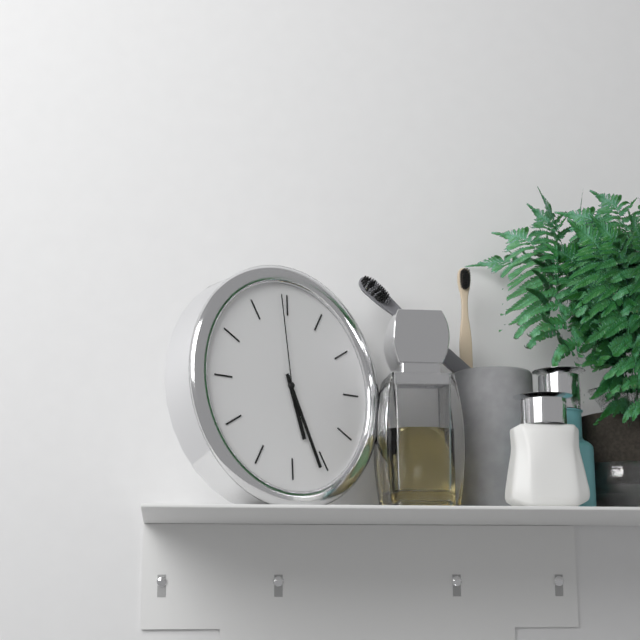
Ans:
5 h 26 min 59 s
